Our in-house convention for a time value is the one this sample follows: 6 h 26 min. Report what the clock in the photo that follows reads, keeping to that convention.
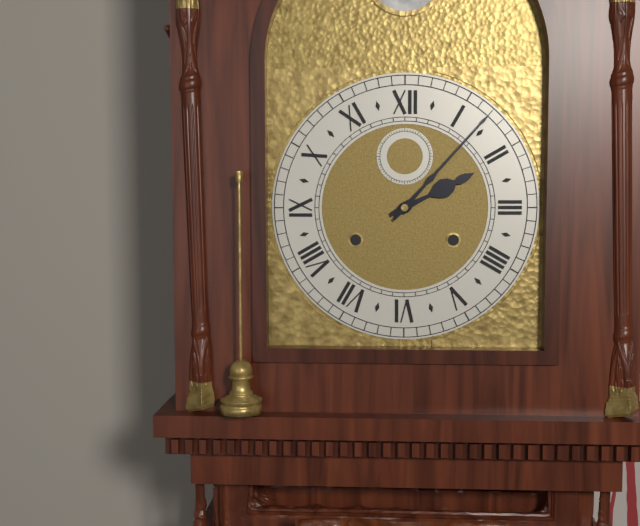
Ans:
2 h 07 min
